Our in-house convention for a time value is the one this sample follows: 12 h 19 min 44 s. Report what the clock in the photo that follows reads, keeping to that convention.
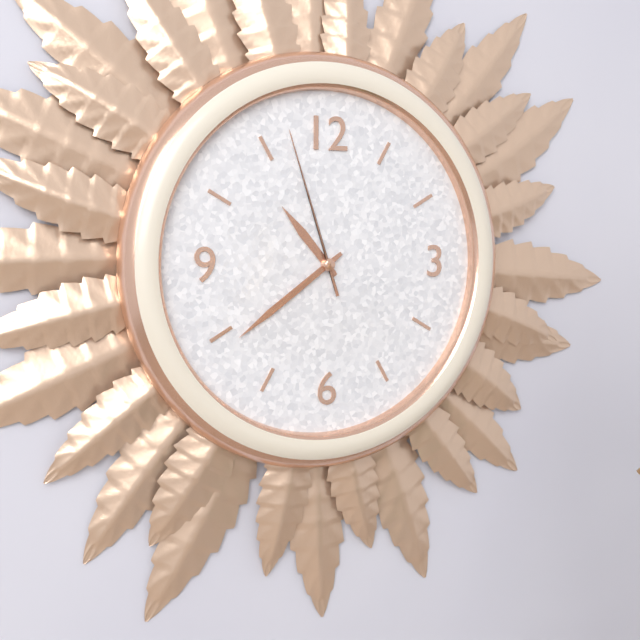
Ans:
10 h 39 min 57 s
